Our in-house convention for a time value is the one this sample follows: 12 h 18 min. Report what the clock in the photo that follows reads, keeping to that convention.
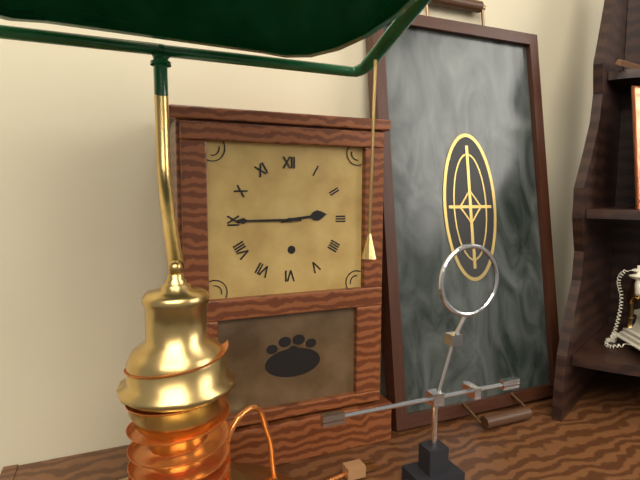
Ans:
2 h 45 min
